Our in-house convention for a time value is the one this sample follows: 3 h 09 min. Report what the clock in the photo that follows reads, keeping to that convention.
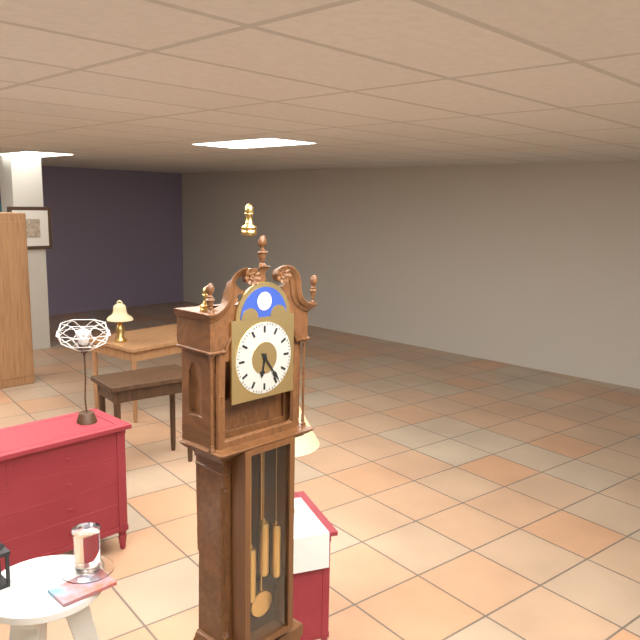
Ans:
6 h 24 min
